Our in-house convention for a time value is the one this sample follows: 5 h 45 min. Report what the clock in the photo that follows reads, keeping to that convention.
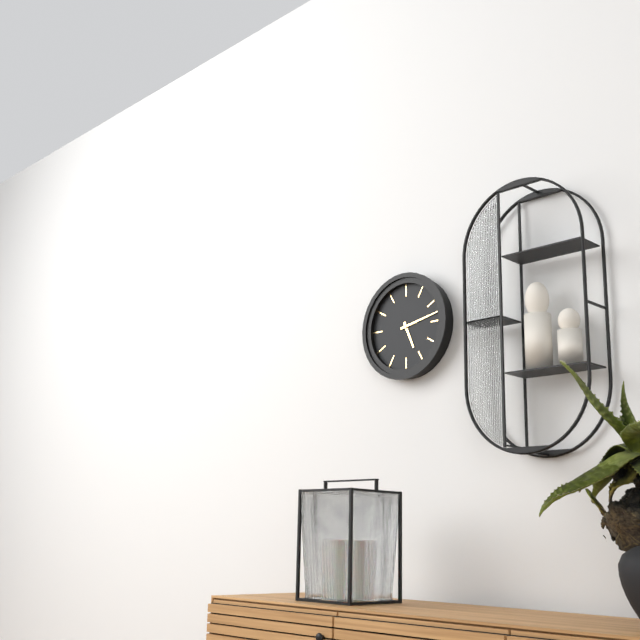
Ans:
5 h 13 min
